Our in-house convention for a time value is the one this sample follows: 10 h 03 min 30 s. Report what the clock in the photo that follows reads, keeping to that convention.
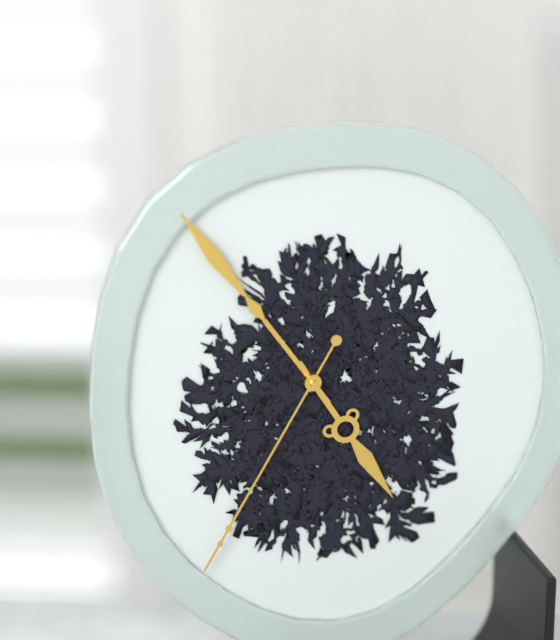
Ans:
4 h 54 min 35 s
